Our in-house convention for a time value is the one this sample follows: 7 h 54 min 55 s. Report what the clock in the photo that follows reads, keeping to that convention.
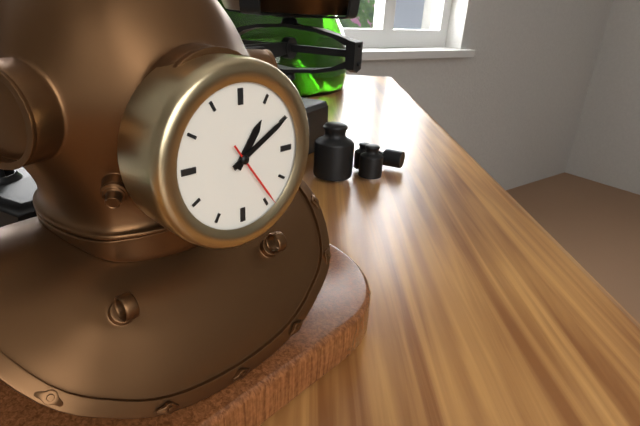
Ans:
1 h 10 min 24 s
